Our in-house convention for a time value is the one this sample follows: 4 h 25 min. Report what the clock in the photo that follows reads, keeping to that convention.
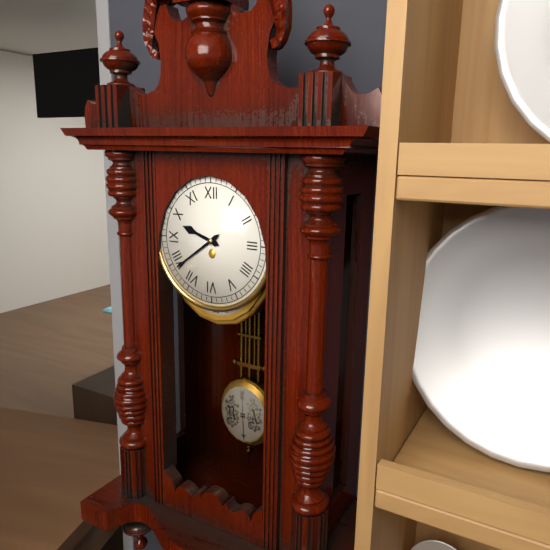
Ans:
9 h 39 min
